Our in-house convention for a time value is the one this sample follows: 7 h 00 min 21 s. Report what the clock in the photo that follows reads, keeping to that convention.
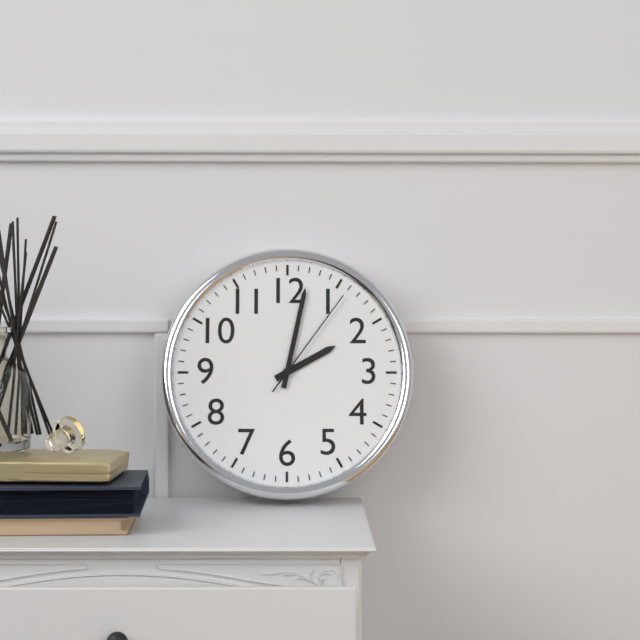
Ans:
2 h 02 min 06 s
